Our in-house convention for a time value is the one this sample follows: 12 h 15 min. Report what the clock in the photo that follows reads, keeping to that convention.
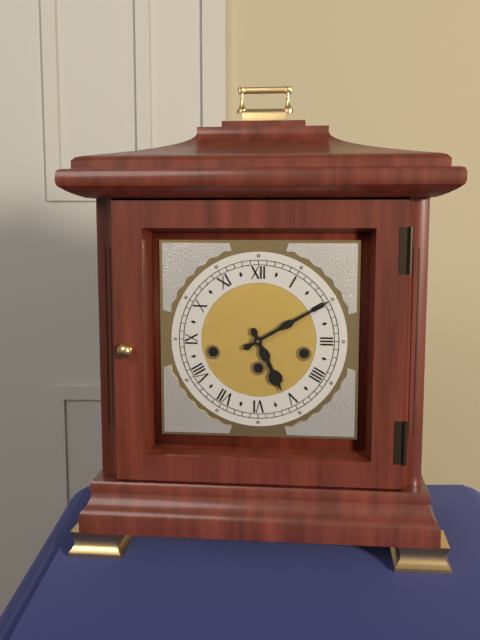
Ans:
5 h 10 min
